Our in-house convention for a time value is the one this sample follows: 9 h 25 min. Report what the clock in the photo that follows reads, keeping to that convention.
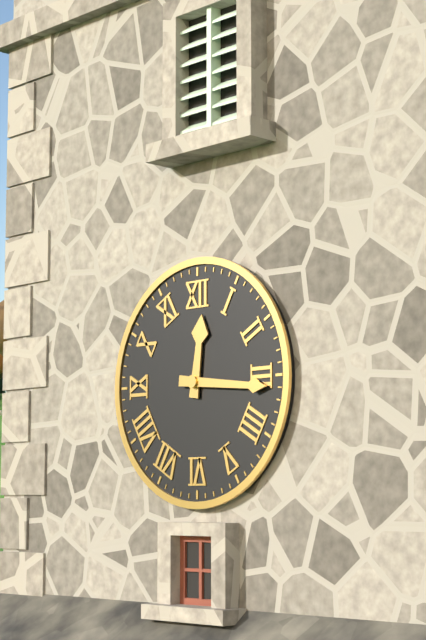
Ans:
12 h 16 min
